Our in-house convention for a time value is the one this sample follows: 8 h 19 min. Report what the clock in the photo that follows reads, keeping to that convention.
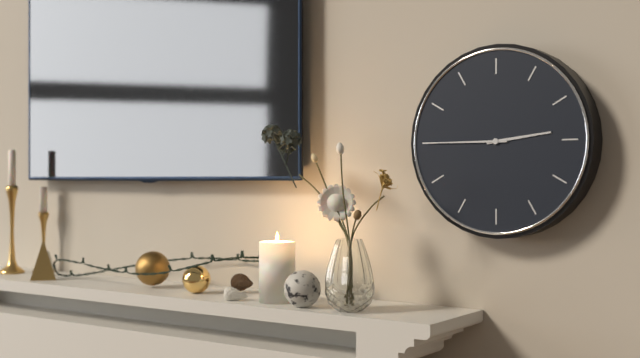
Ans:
2 h 45 min
